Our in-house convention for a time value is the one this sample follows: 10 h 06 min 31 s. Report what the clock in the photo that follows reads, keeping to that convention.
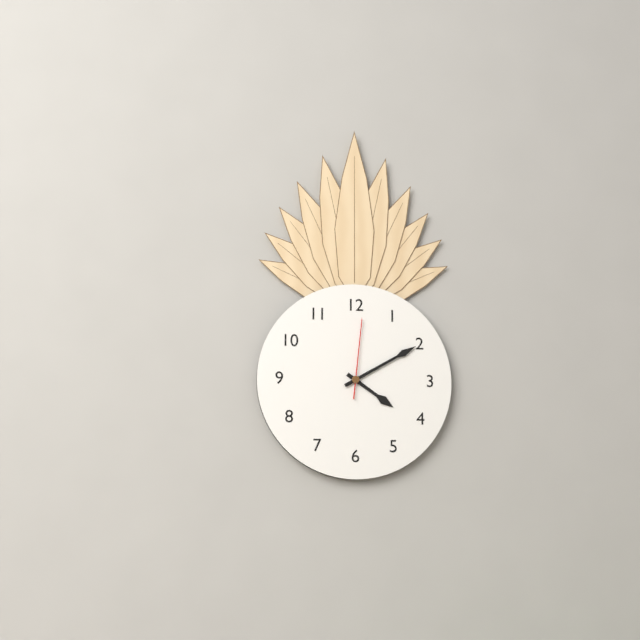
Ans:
4 h 10 min 01 s
